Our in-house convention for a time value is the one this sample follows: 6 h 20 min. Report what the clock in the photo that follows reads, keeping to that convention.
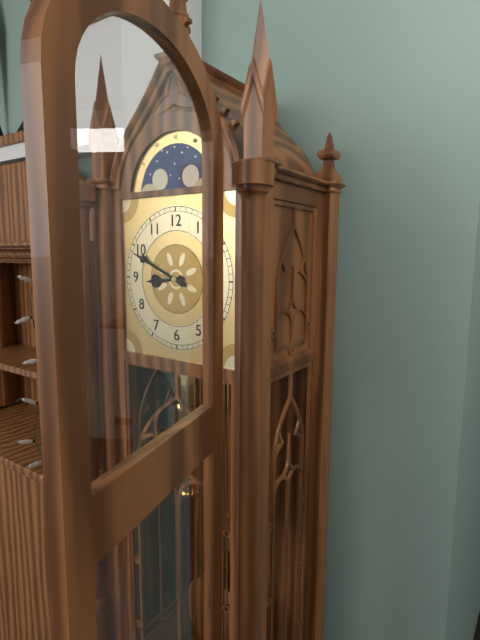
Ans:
8 h 49 min
